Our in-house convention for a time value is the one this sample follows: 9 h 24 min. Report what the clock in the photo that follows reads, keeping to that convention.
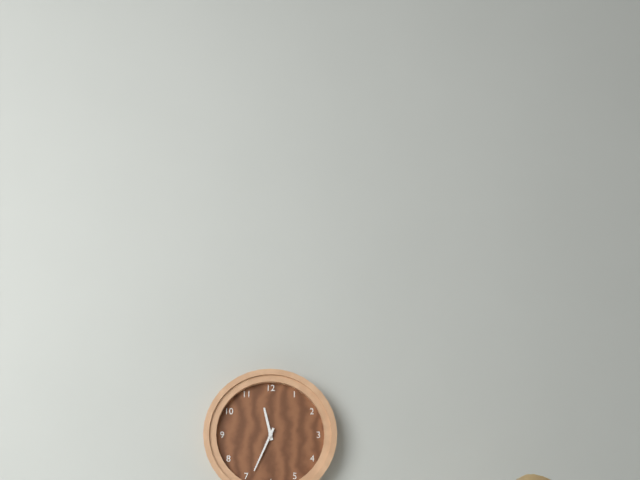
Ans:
11 h 34 min
